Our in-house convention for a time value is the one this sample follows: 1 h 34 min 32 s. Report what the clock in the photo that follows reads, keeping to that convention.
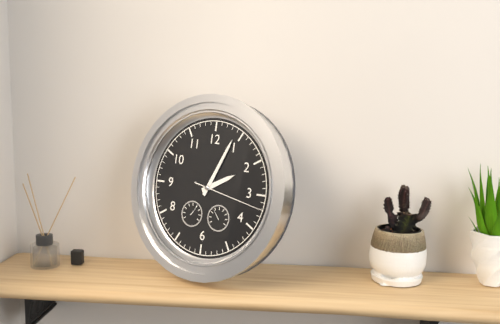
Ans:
2 h 04 min 17 s
